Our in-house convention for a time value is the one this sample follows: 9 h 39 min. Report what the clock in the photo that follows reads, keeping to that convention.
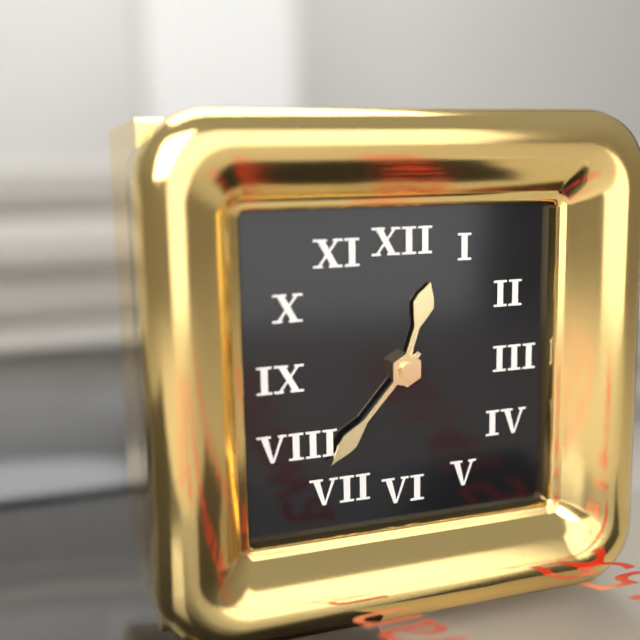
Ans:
12 h 37 min
